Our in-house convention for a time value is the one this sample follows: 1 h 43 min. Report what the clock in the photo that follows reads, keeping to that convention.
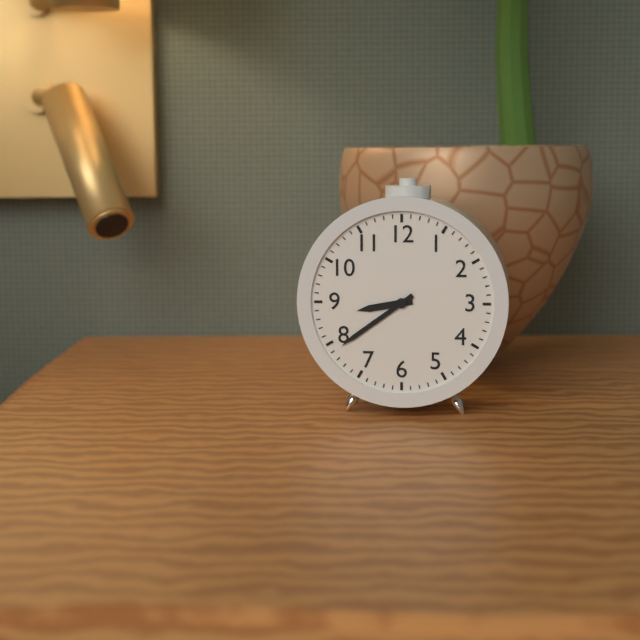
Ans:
8 h 39 min
